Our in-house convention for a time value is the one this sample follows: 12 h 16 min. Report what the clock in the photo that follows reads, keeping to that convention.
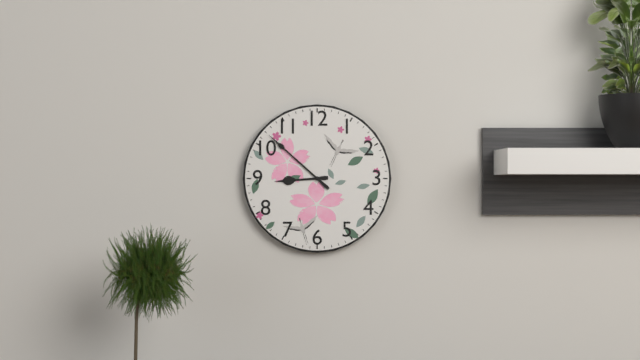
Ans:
8 h 52 min
